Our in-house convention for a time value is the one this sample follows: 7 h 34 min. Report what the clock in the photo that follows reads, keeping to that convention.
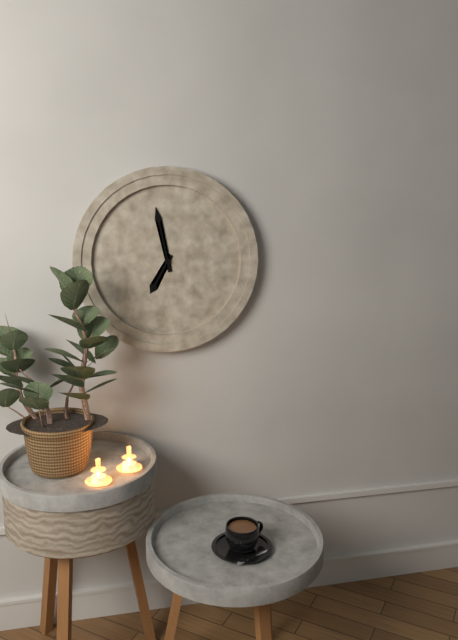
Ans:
6 h 58 min
